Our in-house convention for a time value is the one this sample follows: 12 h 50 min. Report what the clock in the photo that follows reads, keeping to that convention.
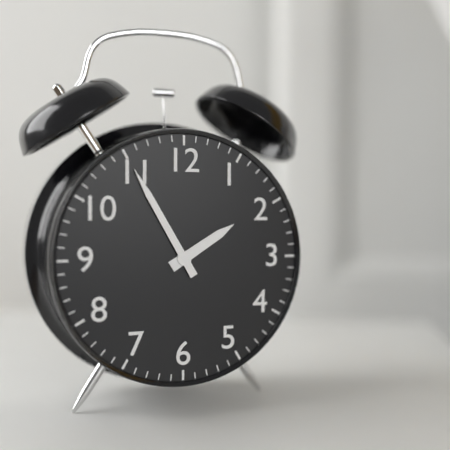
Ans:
1 h 55 min
